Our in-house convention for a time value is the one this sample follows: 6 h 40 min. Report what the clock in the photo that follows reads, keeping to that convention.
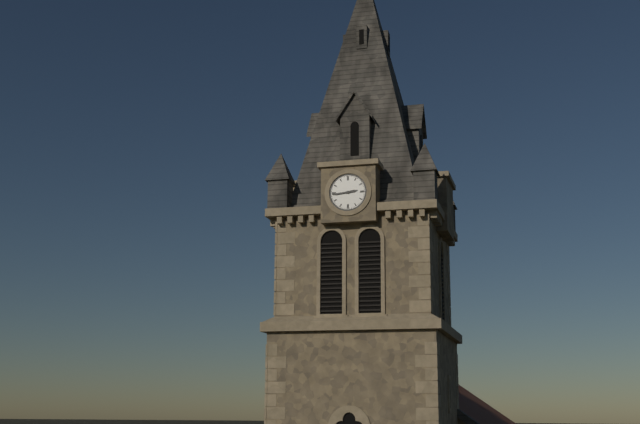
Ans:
2 h 44 min
